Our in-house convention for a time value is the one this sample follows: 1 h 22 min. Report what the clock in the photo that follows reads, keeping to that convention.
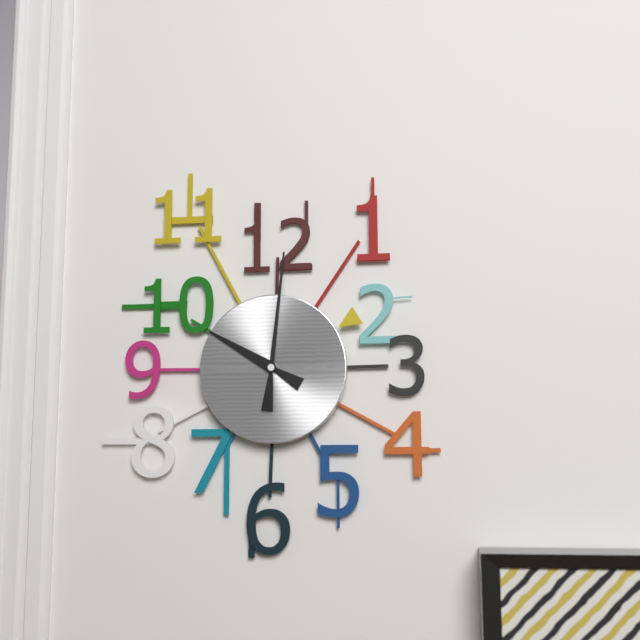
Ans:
10 h 01 min
